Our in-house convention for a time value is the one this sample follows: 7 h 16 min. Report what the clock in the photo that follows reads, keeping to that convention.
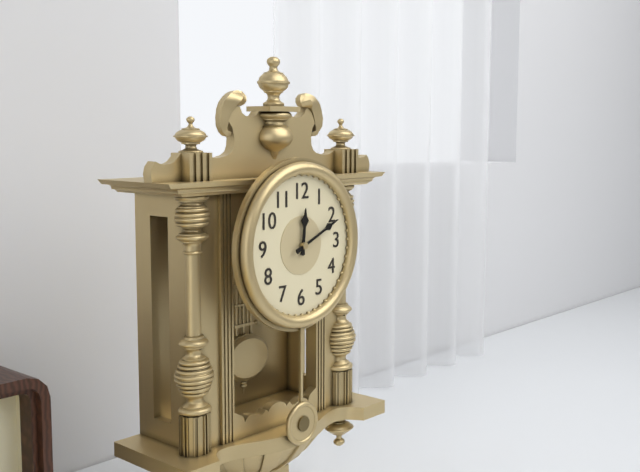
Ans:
12 h 11 min
